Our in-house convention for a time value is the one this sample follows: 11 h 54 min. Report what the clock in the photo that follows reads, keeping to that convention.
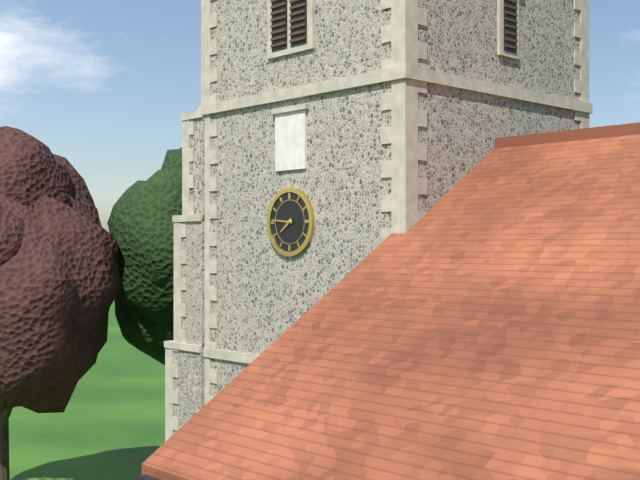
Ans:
7 h 46 min
